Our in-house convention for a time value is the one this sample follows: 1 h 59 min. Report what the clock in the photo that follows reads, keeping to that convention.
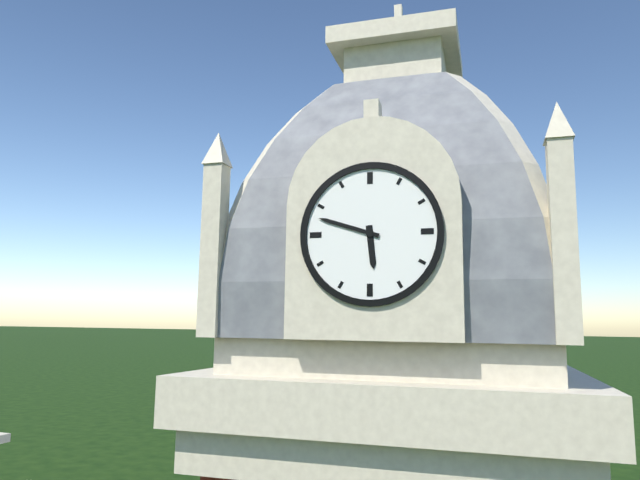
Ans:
5 h 48 min
